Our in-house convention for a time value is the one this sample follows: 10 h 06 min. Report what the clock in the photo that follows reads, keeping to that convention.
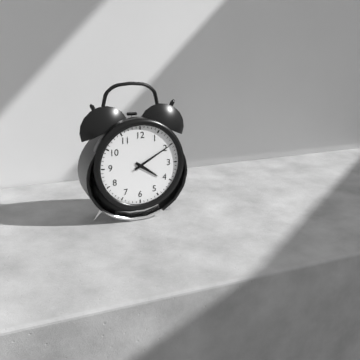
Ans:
4 h 10 min
